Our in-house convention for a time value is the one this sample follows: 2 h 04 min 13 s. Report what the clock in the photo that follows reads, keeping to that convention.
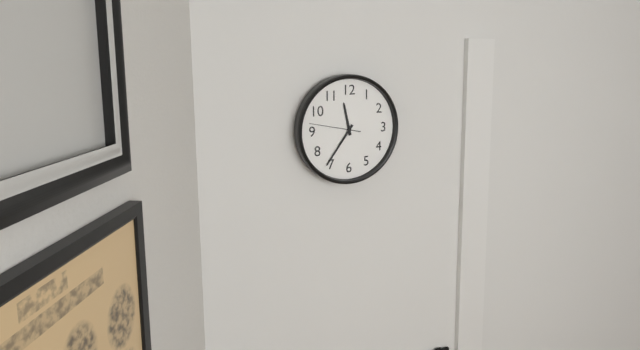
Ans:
11 h 36 min 47 s
